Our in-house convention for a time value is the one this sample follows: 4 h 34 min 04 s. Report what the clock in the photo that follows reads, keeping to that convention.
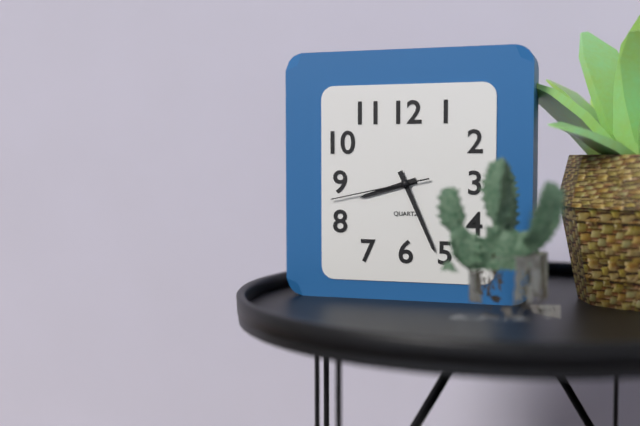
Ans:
8 h 26 min 43 s
